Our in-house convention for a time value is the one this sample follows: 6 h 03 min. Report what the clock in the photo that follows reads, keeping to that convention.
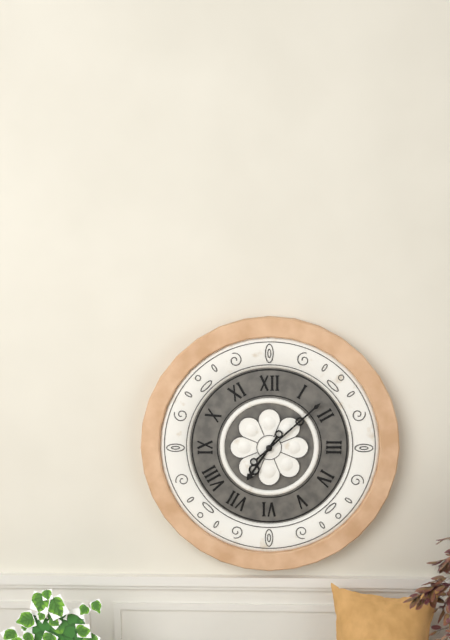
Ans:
7 h 08 min
